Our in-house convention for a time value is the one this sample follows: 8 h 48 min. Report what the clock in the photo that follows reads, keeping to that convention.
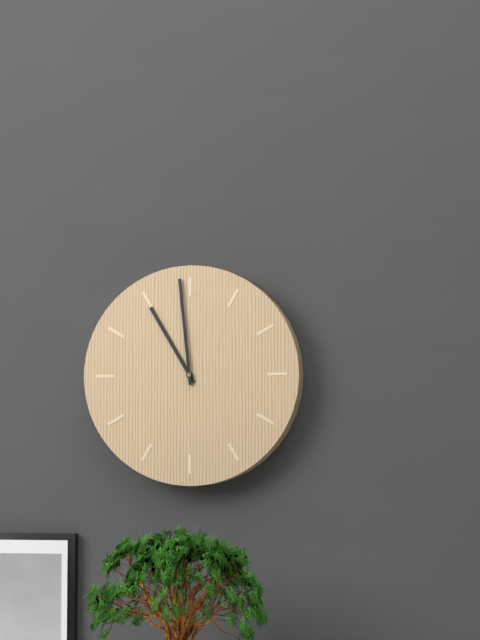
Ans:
10 h 59 min
